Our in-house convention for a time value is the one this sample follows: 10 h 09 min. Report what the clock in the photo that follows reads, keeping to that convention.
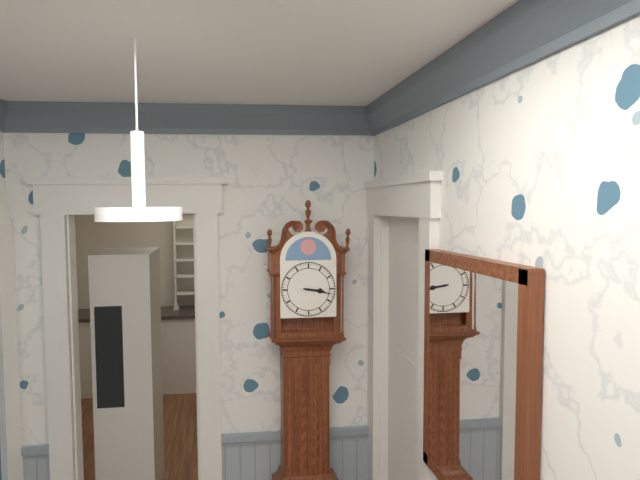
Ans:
3 h 17 min
